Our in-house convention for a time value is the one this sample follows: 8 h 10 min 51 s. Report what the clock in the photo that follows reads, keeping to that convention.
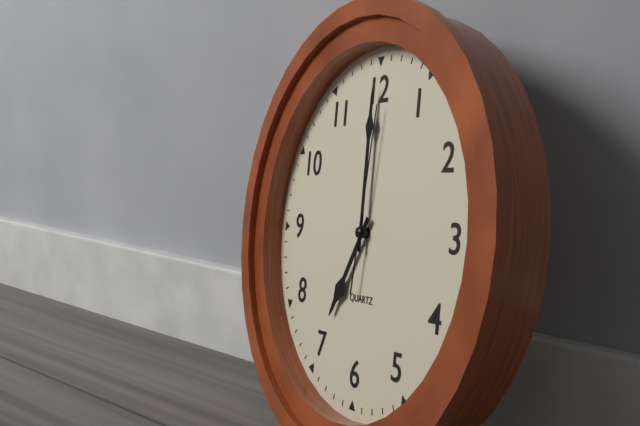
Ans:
7 h 00 min 01 s
